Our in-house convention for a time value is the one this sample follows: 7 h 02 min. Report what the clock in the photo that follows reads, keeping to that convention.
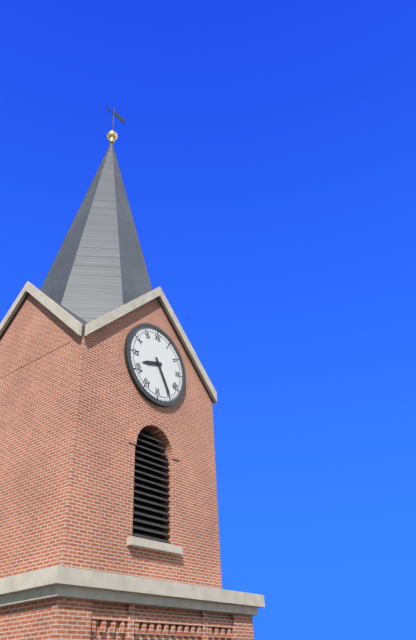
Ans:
8 h 25 min
